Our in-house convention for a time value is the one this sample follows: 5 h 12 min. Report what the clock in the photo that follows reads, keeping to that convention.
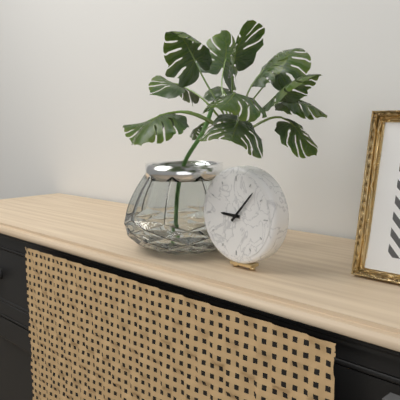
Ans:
9 h 07 min
